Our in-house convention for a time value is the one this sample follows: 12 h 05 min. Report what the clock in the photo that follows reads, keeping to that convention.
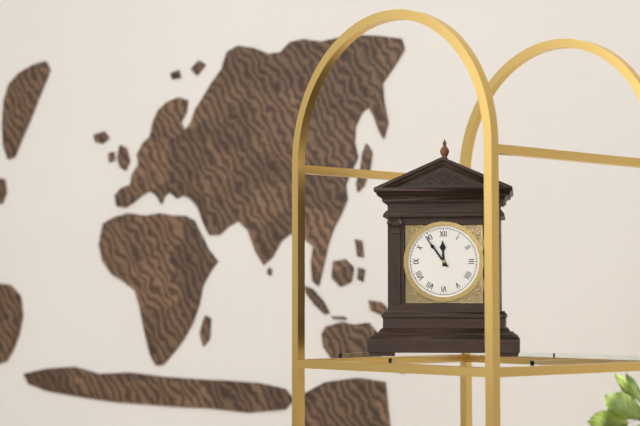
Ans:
11 h 54 min
